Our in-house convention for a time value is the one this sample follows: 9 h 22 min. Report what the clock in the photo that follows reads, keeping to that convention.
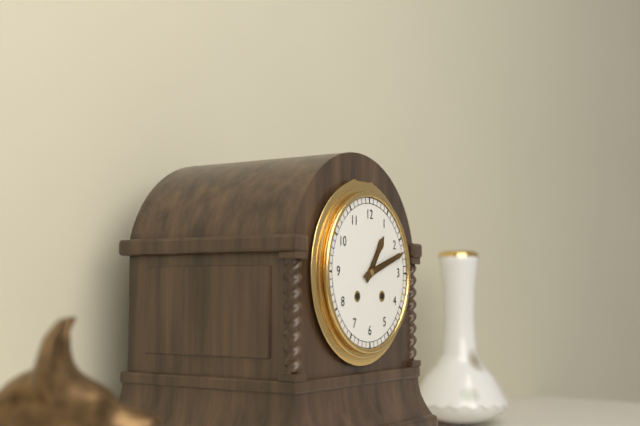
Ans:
1 h 12 min
